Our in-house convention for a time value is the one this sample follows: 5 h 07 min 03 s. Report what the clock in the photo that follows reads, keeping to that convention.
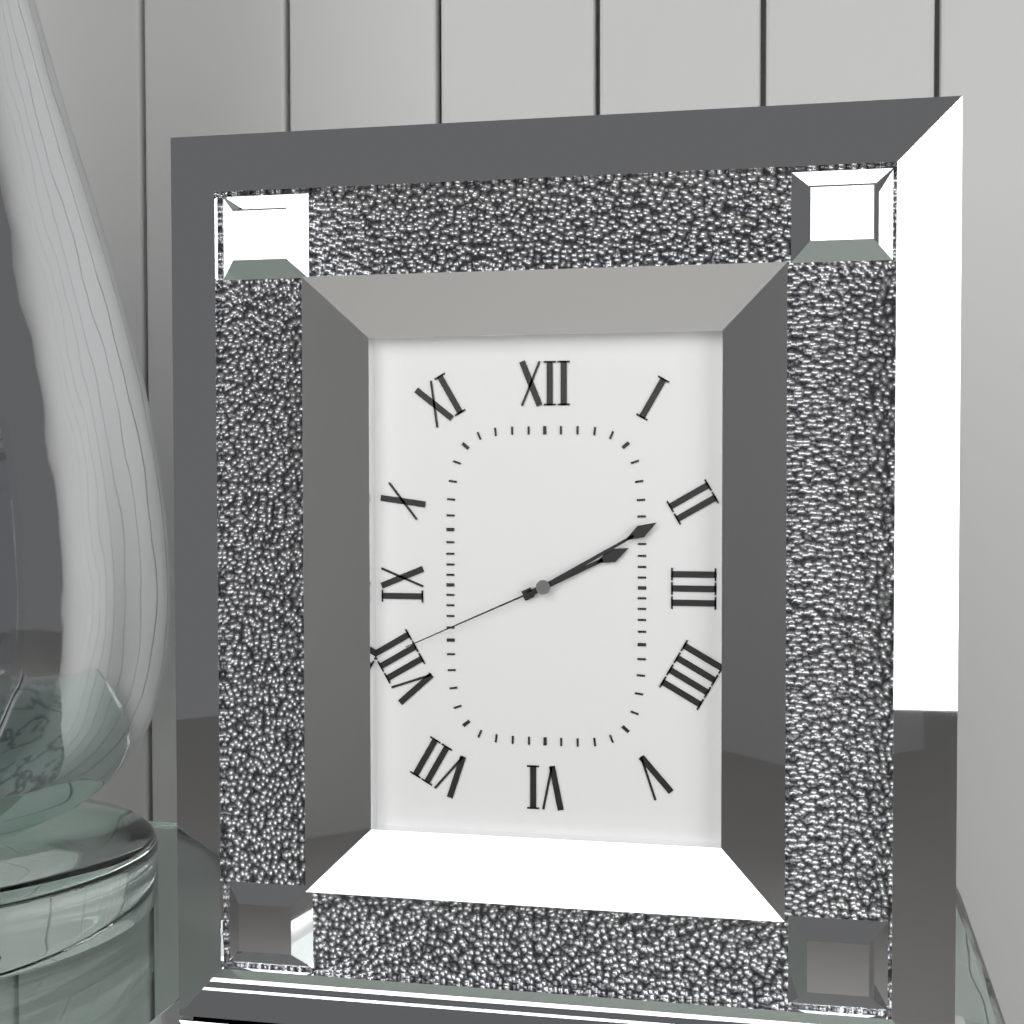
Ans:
2 h 10 min 41 s
